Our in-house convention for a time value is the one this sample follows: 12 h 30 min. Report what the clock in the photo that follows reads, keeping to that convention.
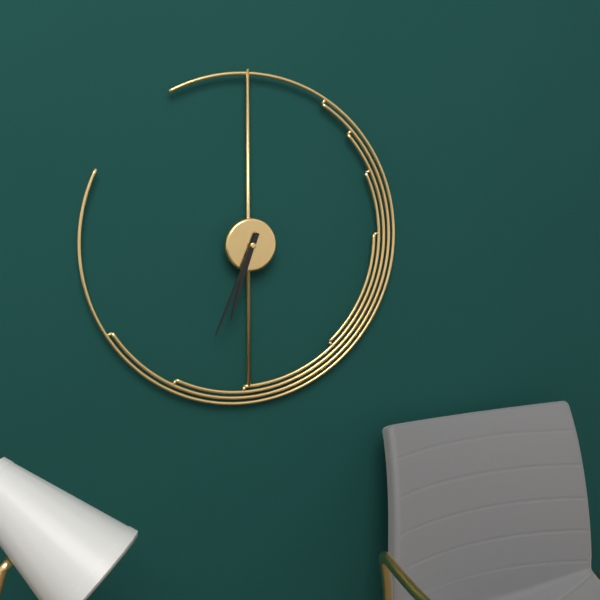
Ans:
6 h 34 min
